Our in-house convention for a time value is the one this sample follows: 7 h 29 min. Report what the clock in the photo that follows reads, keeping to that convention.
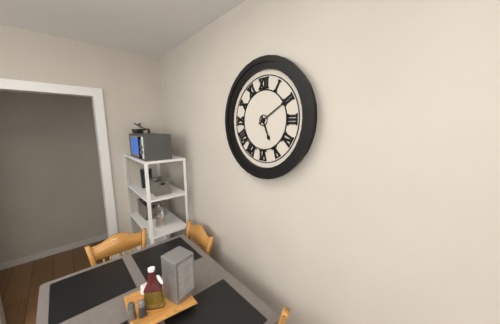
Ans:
5 h 10 min
